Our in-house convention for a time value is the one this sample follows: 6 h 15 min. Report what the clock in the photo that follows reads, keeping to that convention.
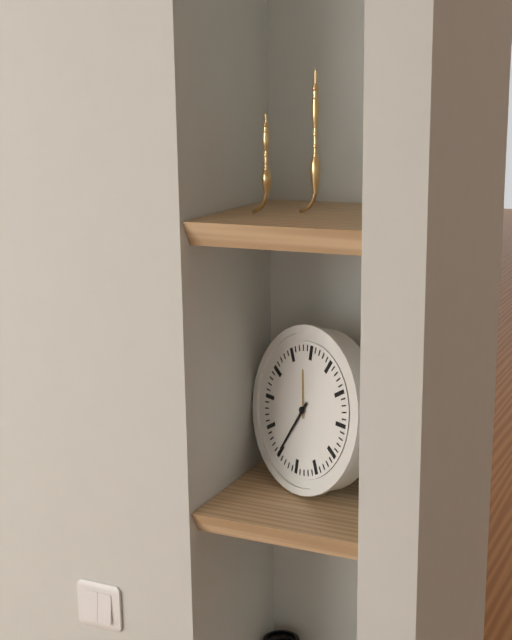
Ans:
11 h 35 min
